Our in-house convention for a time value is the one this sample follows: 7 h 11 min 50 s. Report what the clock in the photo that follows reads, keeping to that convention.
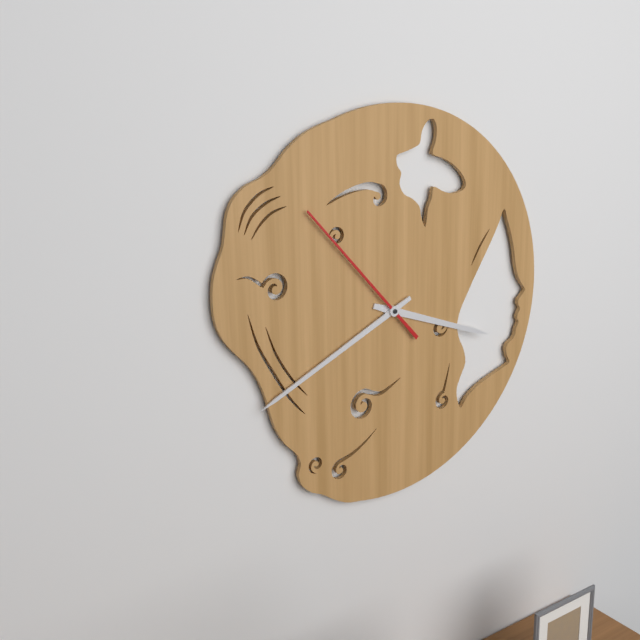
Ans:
3 h 41 min 53 s
